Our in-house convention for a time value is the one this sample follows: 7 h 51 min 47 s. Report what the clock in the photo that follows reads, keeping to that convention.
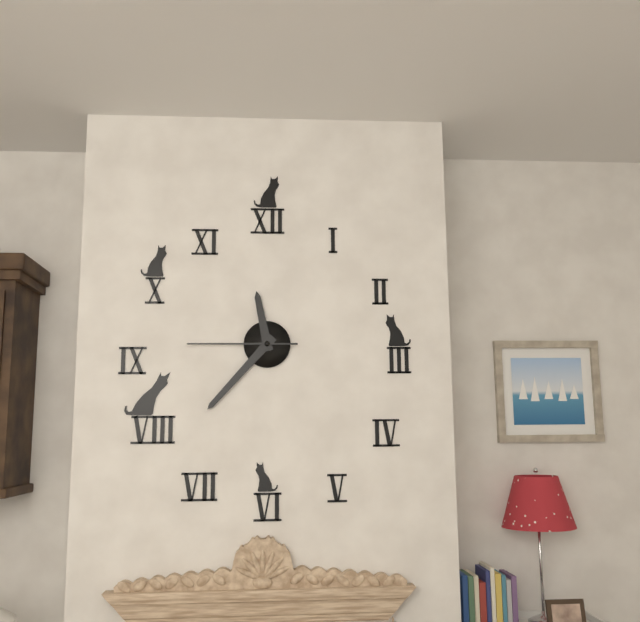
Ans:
11 h 37 min 45 s
